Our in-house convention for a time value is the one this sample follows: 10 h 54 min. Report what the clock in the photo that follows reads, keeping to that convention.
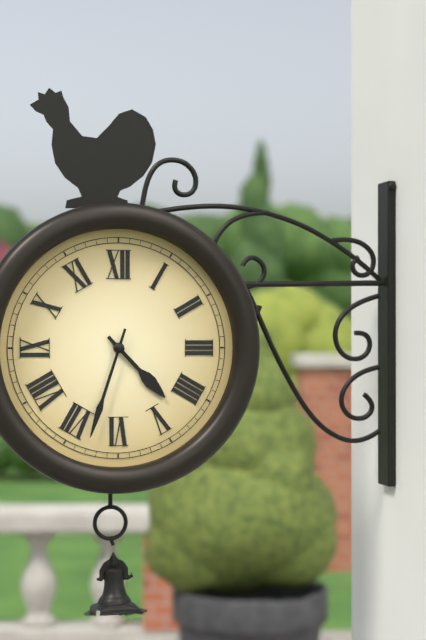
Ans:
4 h 33 min
